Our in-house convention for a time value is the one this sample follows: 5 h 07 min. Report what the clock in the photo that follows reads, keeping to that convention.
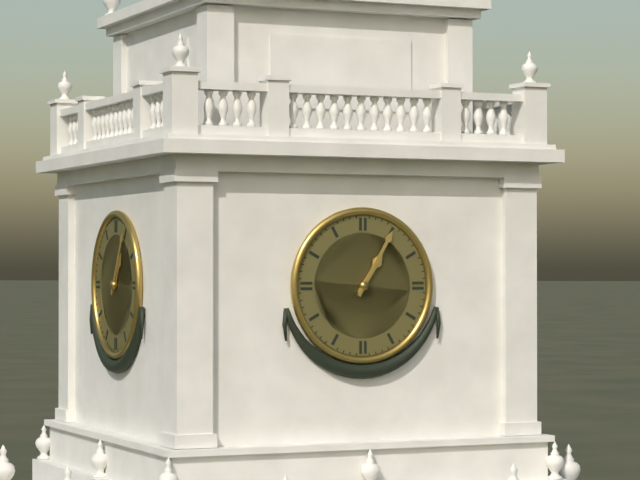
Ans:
1 h 05 min
